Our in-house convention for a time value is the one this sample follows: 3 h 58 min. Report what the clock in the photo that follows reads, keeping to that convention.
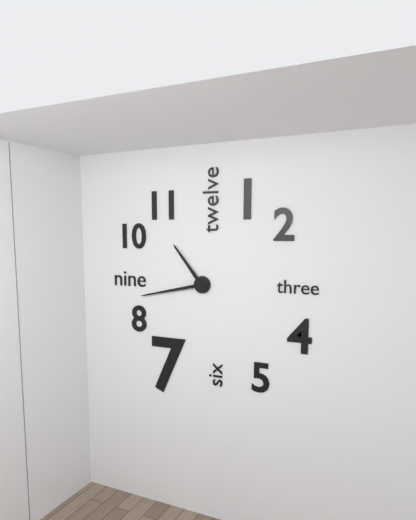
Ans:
10 h 43 min
